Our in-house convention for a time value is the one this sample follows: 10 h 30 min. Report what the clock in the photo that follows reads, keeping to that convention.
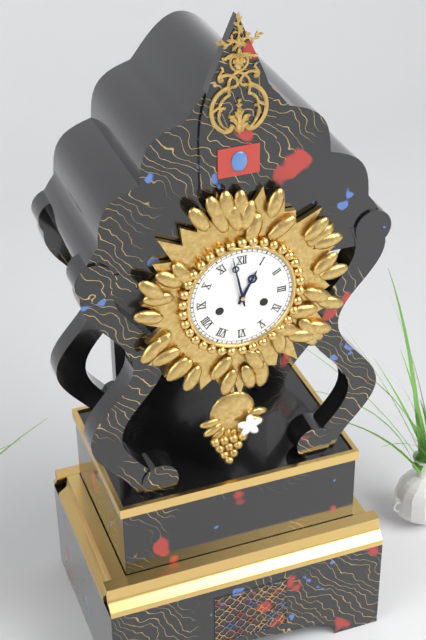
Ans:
12 h 58 min
